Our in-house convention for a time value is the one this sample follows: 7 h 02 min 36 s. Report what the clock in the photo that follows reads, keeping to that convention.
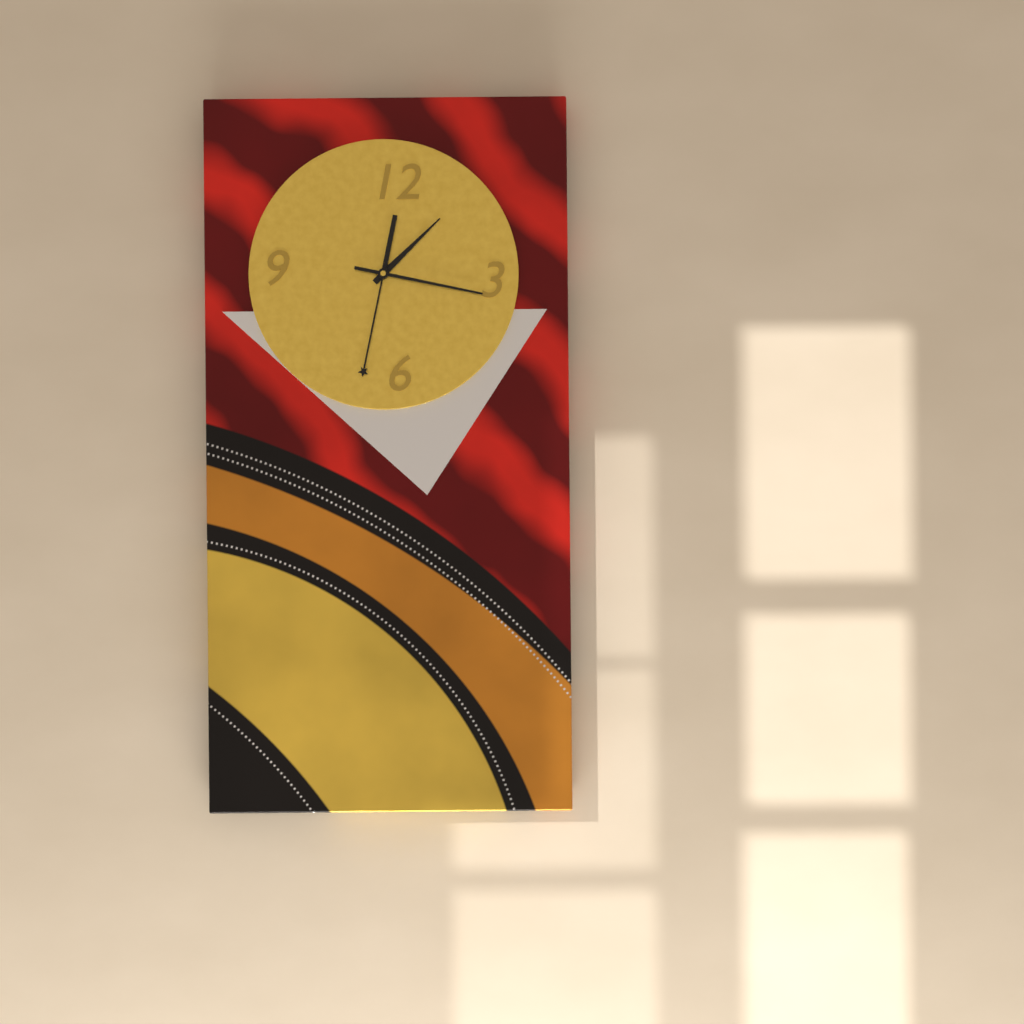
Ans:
1 h 32 min 17 s
